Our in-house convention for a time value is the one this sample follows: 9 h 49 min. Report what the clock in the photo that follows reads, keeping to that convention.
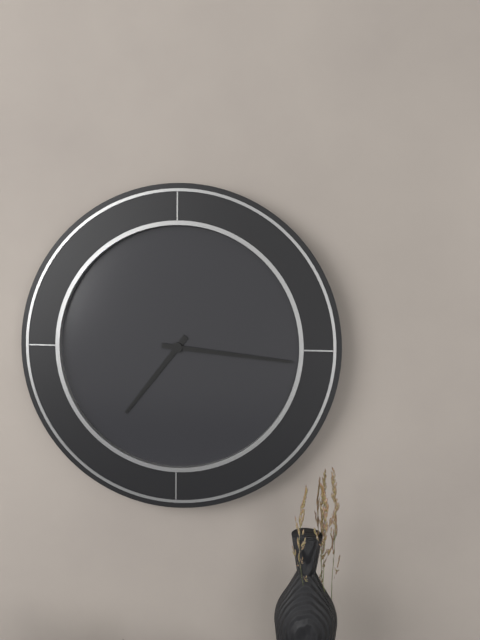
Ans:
7 h 16 min
